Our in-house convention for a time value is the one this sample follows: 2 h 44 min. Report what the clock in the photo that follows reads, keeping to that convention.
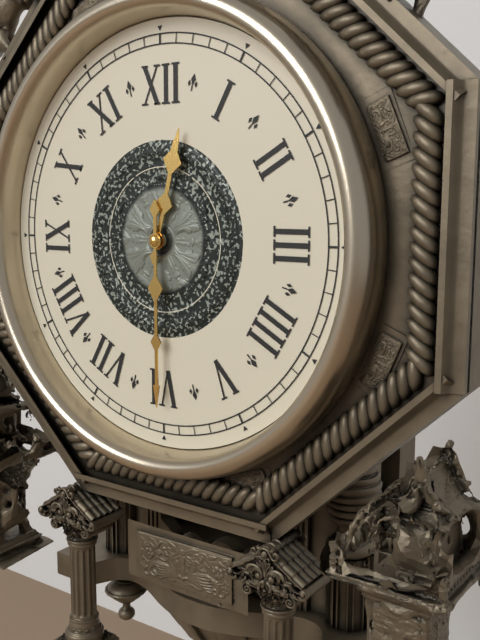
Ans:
12 h 30 min
